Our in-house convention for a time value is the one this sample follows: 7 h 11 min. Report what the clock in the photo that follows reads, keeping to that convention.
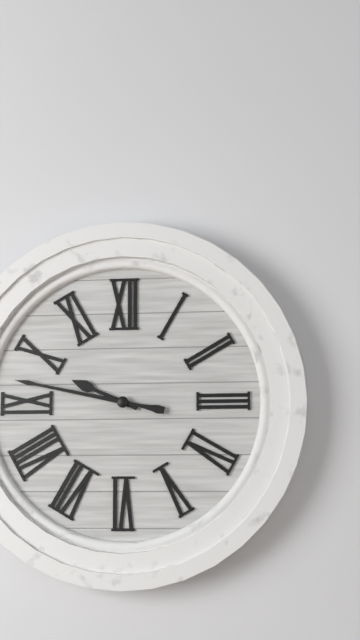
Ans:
9 h 47 min
